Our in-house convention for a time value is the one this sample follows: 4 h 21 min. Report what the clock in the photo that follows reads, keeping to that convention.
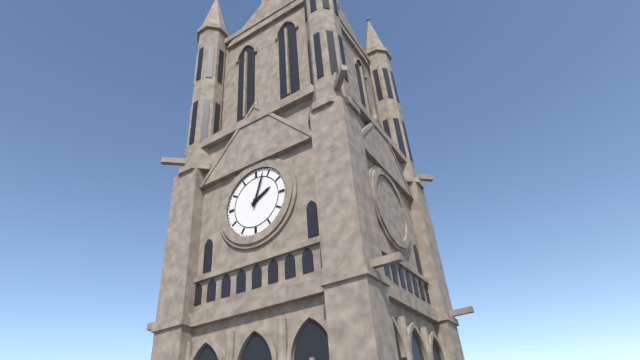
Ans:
2 h 03 min
